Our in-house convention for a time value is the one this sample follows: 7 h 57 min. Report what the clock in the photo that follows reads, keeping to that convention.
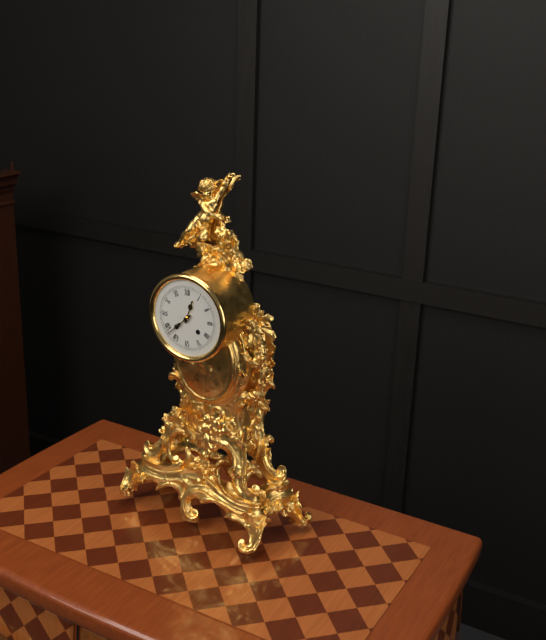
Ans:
12 h 38 min
